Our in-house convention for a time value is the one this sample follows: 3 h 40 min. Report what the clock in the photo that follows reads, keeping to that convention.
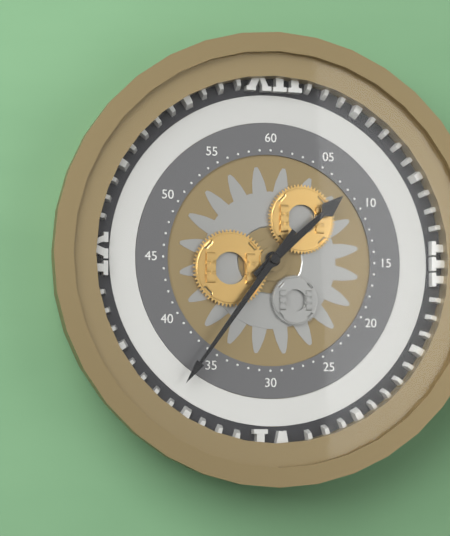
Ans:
1 h 36 min
